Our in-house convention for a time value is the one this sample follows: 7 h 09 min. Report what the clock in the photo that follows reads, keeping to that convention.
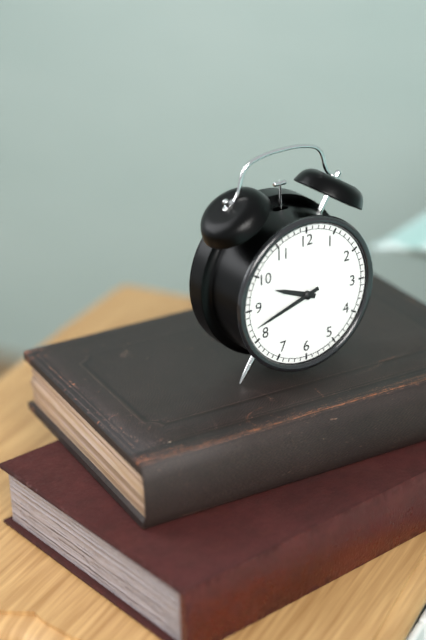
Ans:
9 h 42 min
